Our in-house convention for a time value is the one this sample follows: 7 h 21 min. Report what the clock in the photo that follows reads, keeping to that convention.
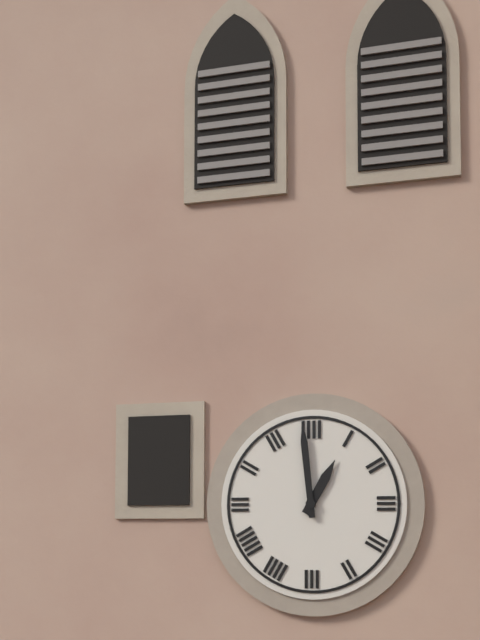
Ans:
12 h 59 min
